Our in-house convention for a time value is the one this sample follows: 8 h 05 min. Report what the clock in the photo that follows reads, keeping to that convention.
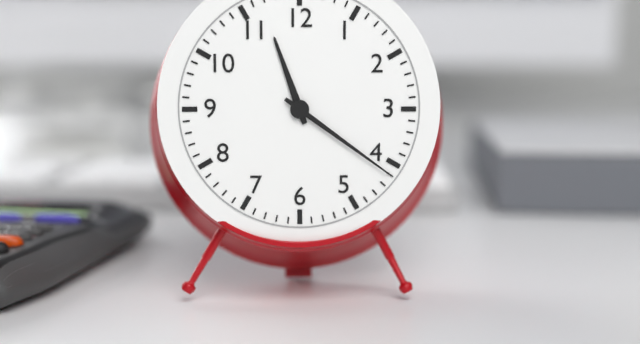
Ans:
11 h 21 min
